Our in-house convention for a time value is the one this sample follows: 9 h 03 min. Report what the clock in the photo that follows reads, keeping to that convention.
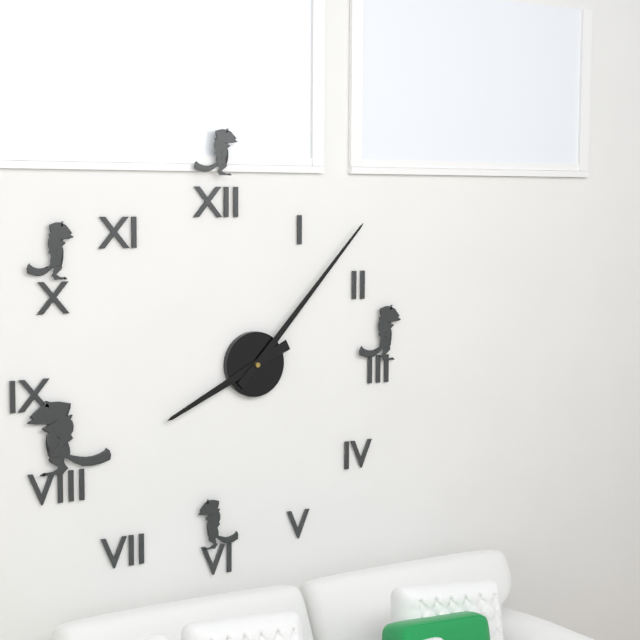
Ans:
8 h 07 min
